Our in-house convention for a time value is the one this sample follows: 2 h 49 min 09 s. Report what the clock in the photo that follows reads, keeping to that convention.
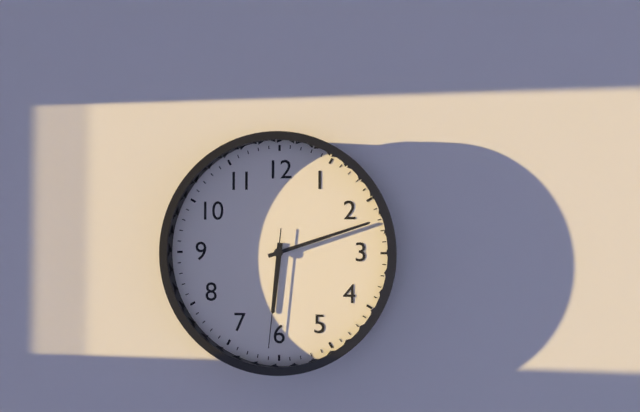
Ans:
6 h 12 min 31 s
